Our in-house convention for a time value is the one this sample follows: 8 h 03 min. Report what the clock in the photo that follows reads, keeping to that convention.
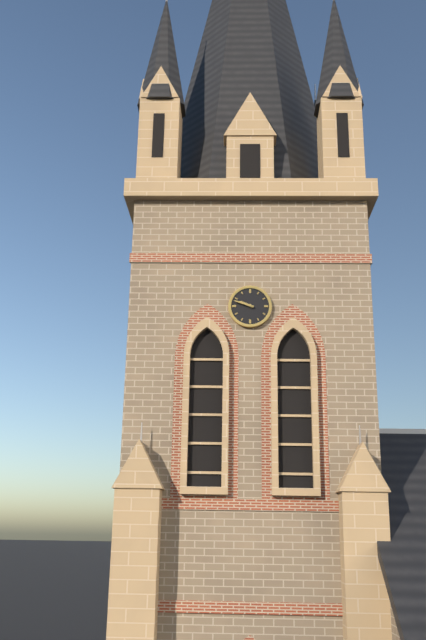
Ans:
9 h 48 min
